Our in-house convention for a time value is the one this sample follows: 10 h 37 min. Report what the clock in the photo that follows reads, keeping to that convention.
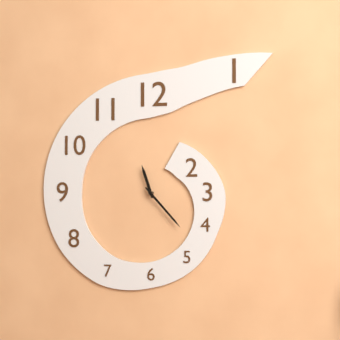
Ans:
11 h 23 min
